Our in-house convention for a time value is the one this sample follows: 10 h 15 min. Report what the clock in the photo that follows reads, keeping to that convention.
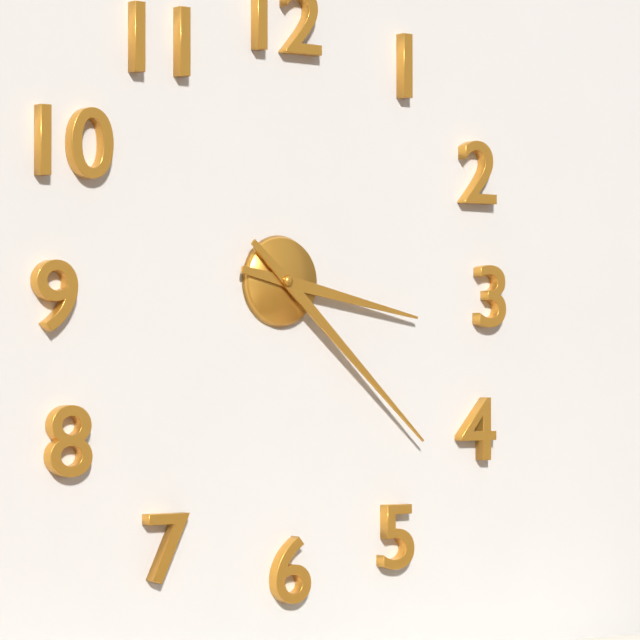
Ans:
3 h 22 min
